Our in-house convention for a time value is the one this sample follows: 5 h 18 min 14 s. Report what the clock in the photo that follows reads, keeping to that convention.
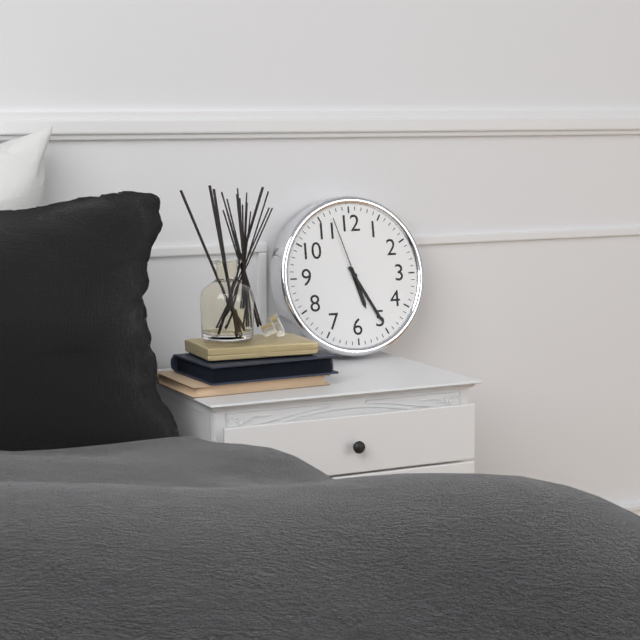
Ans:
5 h 25 min 57 s
